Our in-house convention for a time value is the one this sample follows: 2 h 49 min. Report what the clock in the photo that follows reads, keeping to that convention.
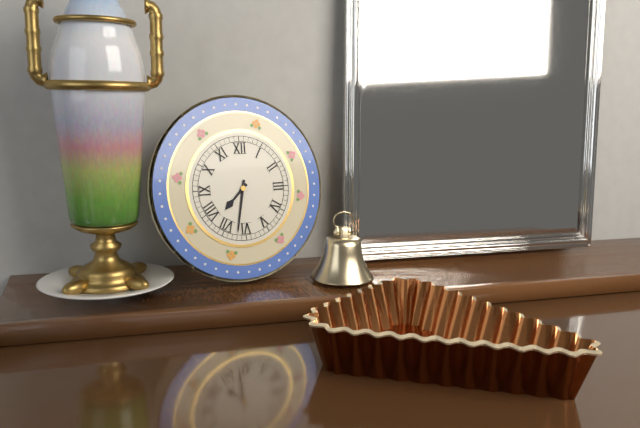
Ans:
7 h 32 min
